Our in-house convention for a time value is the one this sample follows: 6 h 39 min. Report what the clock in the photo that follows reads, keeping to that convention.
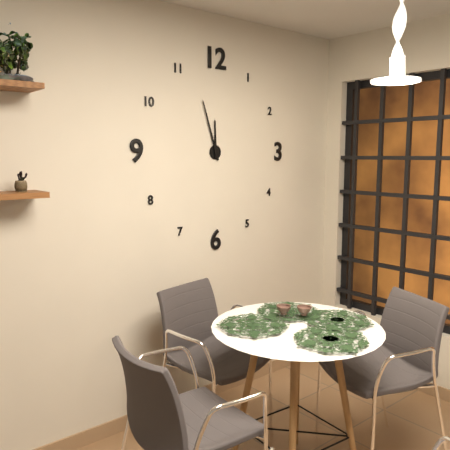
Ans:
11 h 57 min
